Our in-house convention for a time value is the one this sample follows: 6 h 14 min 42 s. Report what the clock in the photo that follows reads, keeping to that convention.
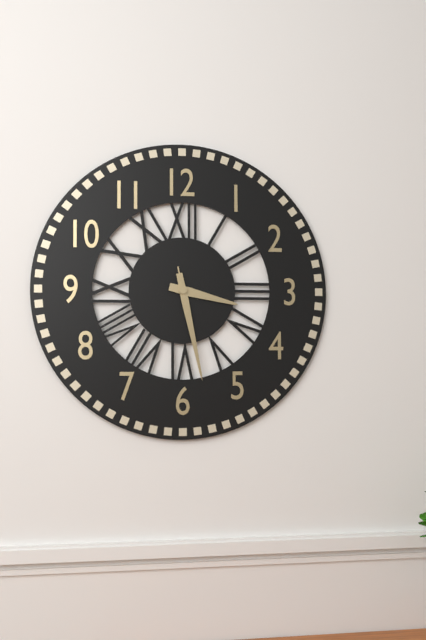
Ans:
3 h 28 min 28 s
